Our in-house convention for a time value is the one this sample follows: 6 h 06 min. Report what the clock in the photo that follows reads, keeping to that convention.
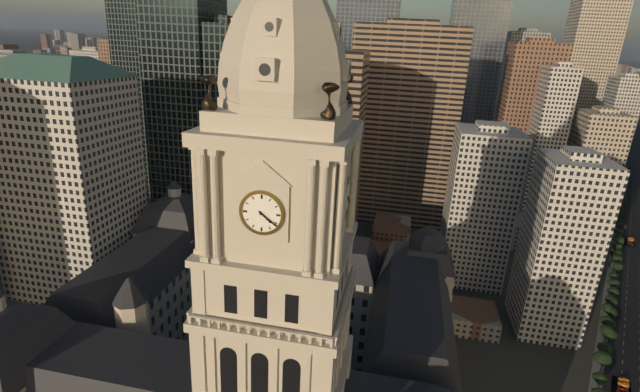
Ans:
4 h 21 min
